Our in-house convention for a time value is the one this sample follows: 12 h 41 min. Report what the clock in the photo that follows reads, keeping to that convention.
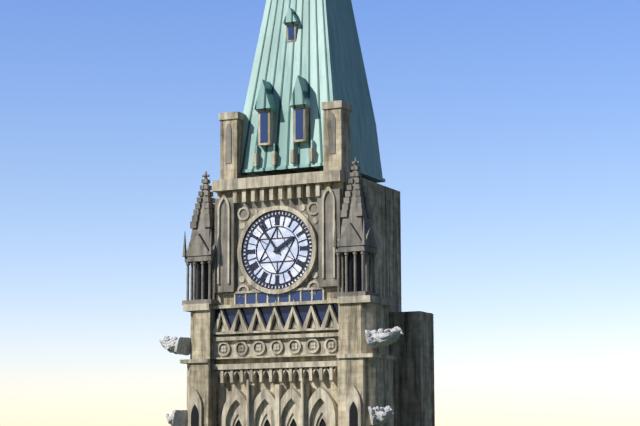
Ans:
1 h 54 min
